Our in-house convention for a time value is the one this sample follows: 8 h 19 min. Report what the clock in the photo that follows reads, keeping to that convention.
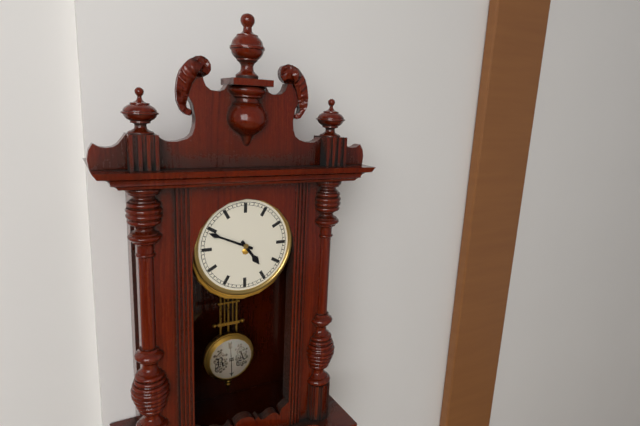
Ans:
4 h 49 min
